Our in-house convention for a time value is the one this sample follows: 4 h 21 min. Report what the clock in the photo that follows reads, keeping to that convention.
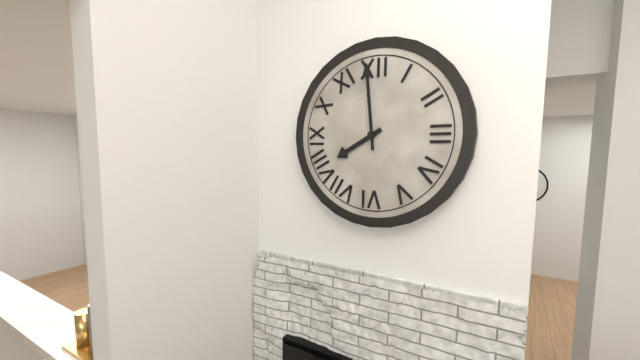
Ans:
7 h 59 min
